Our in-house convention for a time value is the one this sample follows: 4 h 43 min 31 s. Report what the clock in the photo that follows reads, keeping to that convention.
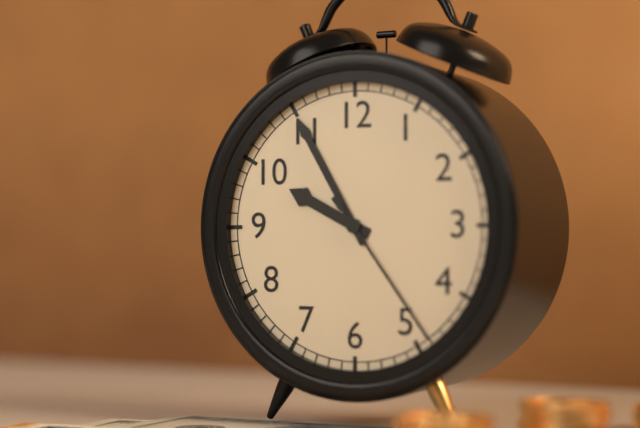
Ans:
9 h 55 min 24 s
